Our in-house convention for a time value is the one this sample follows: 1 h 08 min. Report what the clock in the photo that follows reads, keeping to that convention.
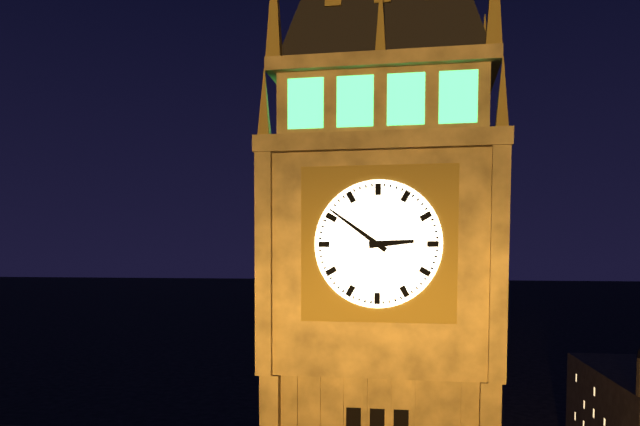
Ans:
2 h 51 min
